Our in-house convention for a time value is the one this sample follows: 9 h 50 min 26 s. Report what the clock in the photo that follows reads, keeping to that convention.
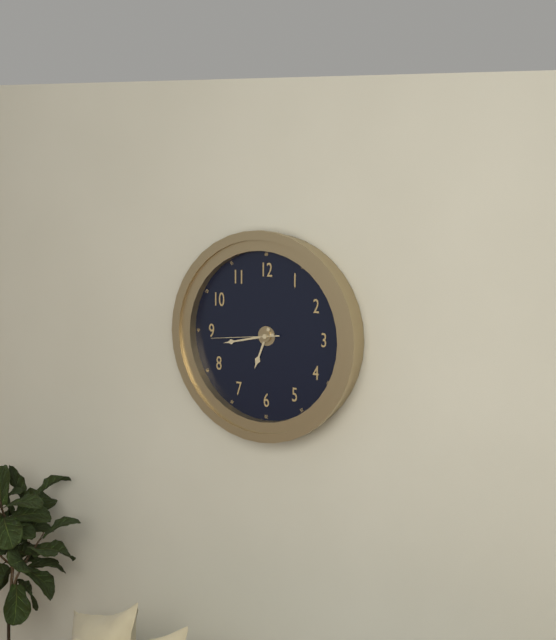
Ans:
6 h 43 min 44 s
